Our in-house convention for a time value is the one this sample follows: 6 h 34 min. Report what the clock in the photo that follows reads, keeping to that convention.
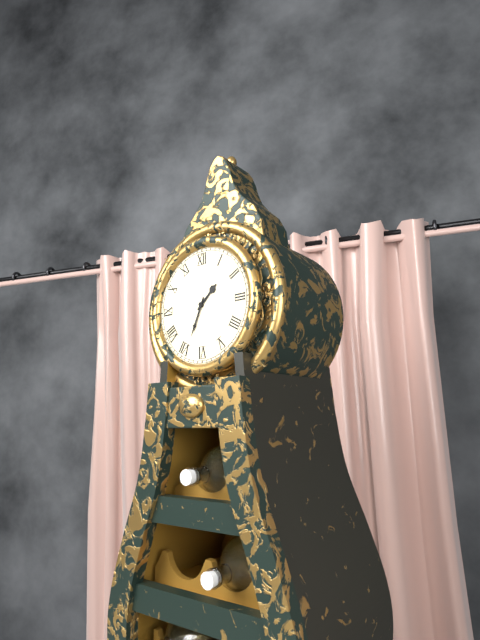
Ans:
1 h 34 min
